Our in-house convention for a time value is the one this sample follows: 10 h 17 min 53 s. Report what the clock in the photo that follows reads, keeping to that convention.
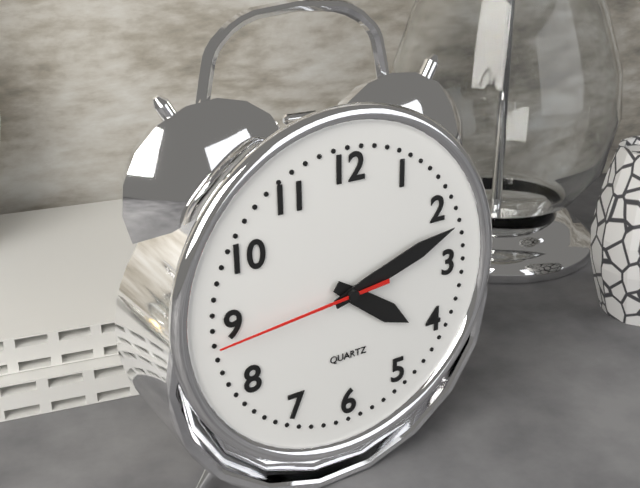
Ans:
4 h 12 min 44 s
